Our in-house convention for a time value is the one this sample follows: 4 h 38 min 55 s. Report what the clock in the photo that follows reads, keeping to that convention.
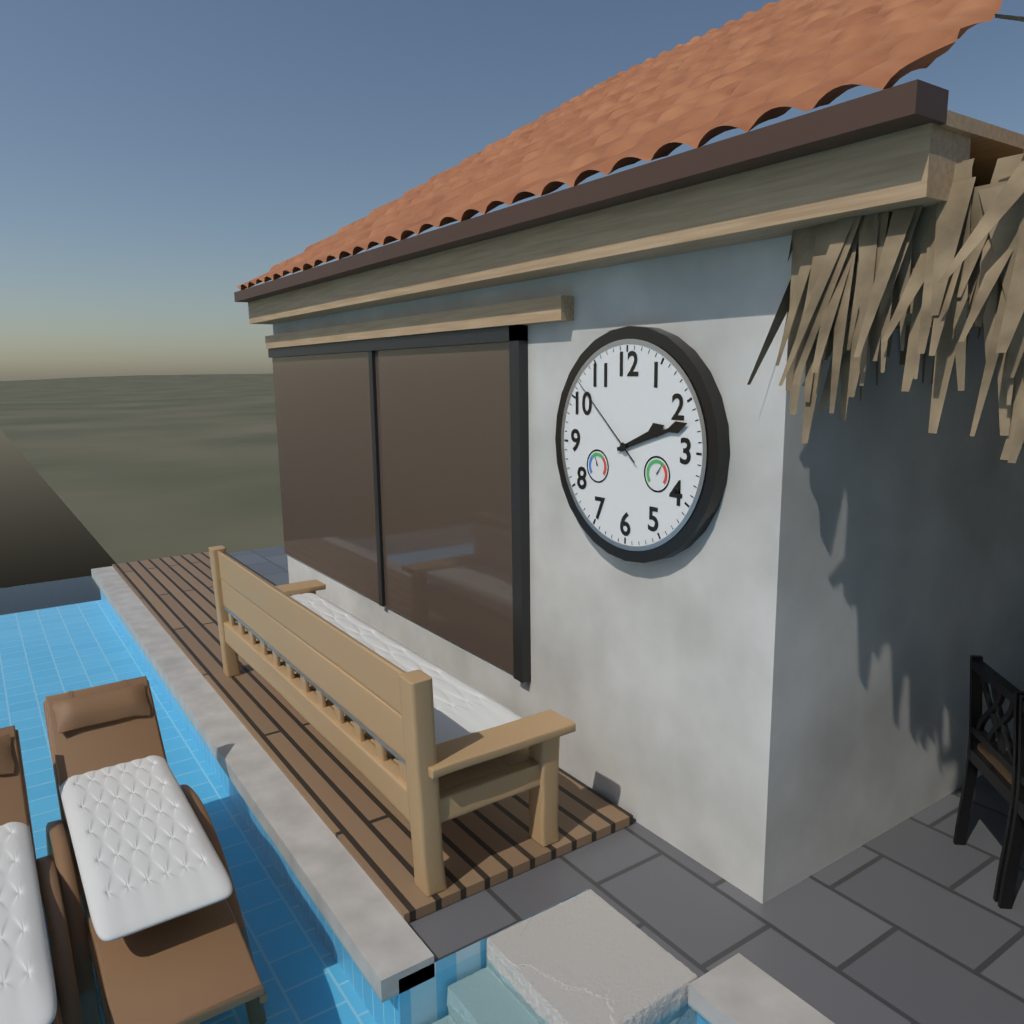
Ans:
2 h 12 min 52 s
